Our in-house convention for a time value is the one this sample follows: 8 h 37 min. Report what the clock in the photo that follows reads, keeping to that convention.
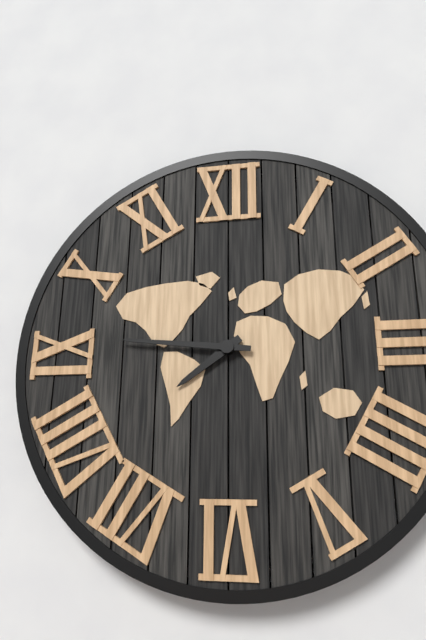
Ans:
7 h 46 min
